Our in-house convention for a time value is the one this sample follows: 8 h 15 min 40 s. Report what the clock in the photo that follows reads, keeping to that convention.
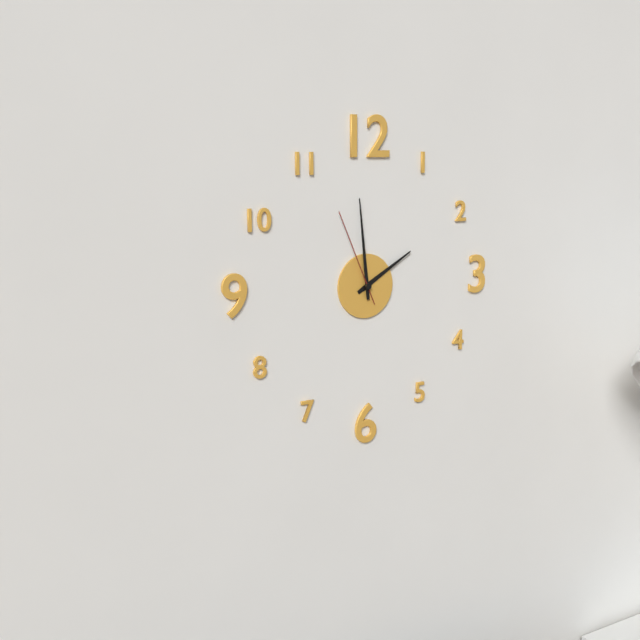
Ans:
1 h 59 min 56 s
